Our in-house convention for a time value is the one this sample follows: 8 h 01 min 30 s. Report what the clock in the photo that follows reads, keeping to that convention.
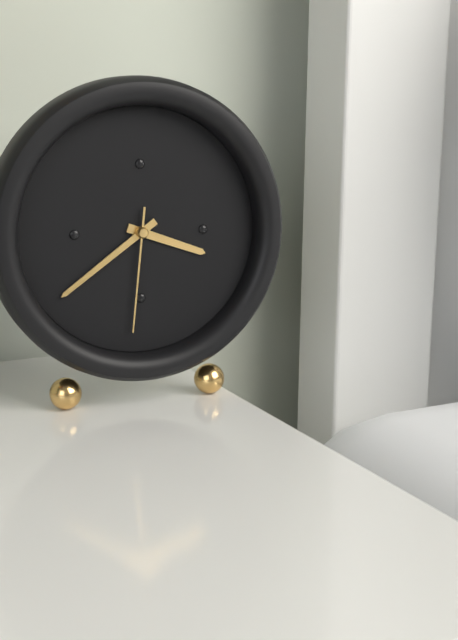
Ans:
3 h 39 min 31 s
